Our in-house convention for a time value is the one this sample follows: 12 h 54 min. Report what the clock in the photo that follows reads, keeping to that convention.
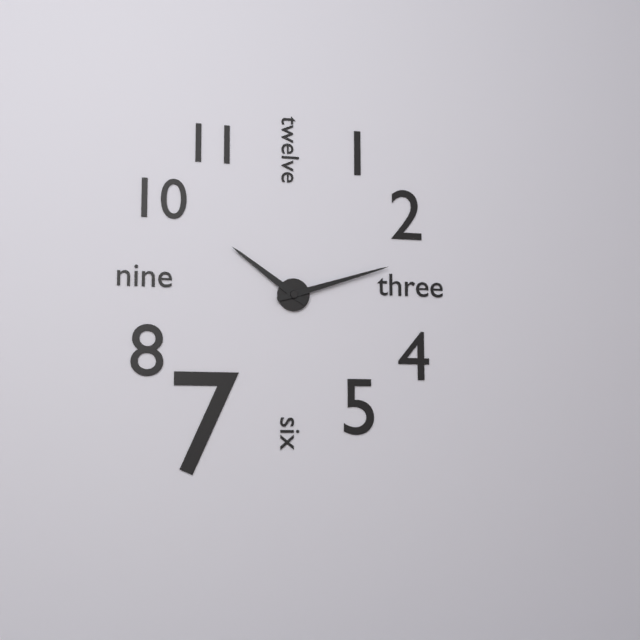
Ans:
10 h 12 min
